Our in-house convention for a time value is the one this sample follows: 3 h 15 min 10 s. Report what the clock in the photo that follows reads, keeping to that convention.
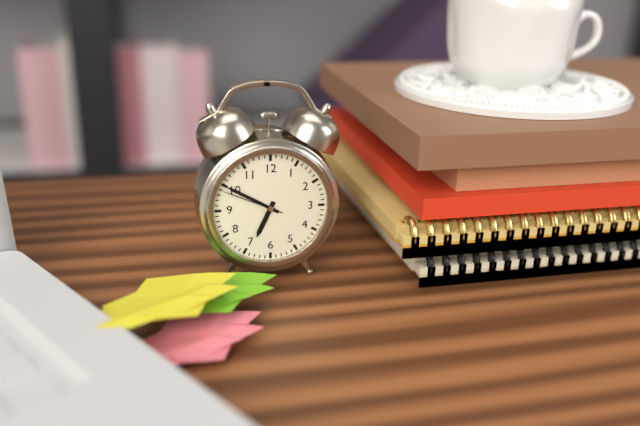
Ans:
6 h 50 min 49 s
